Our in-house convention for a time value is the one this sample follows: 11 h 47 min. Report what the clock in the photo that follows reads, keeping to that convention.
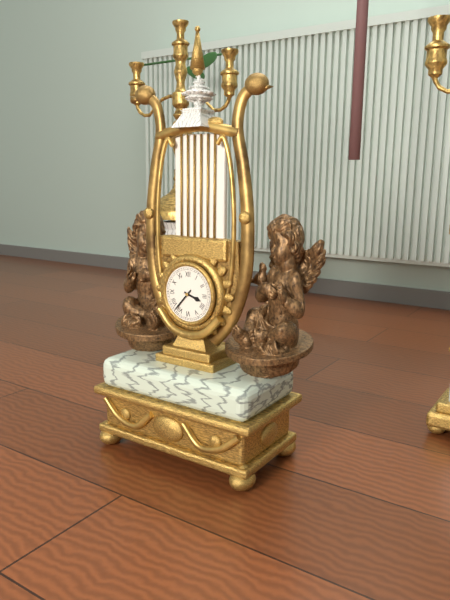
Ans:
3 h 37 min
